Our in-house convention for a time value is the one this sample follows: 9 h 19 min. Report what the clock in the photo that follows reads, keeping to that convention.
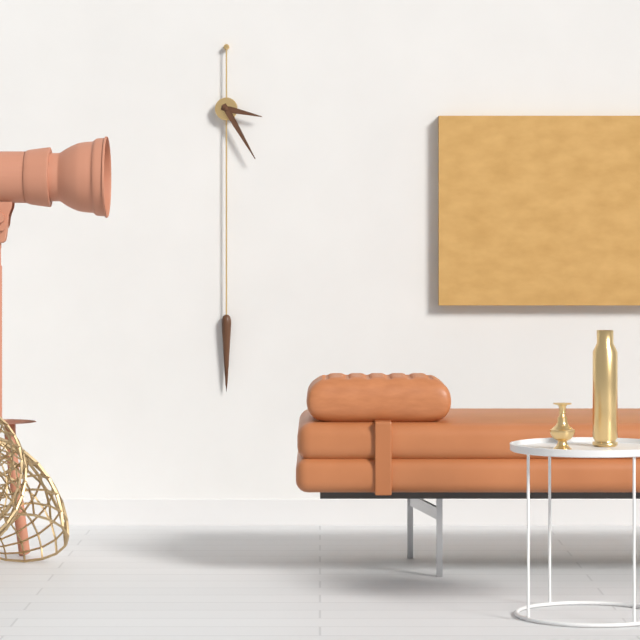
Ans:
3 h 25 min
